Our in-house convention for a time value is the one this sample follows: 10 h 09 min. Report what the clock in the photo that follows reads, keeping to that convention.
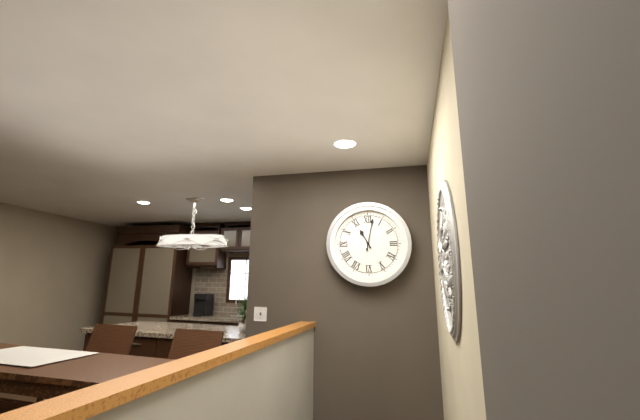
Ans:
11 h 02 min
